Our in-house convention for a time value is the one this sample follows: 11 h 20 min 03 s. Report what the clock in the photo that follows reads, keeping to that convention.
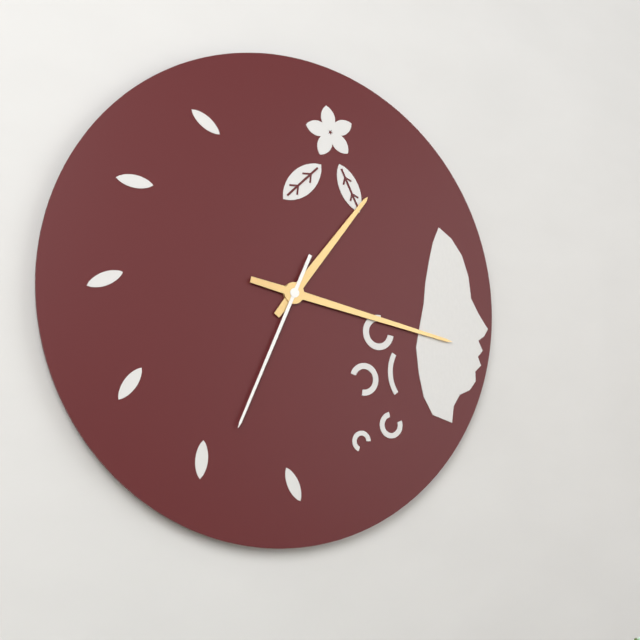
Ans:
1 h 17 min 34 s
